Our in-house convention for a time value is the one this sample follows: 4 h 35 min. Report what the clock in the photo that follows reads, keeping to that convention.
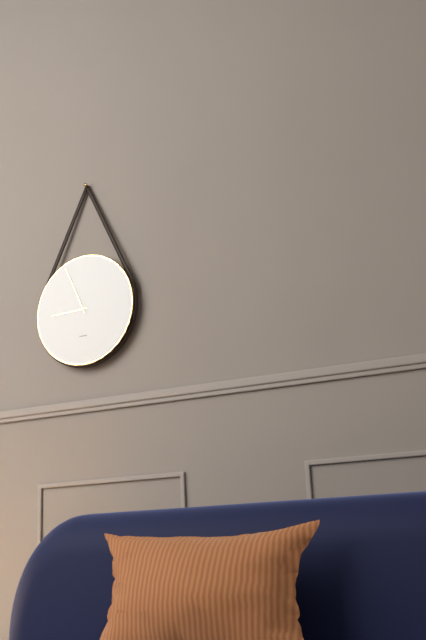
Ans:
8 h 56 min
